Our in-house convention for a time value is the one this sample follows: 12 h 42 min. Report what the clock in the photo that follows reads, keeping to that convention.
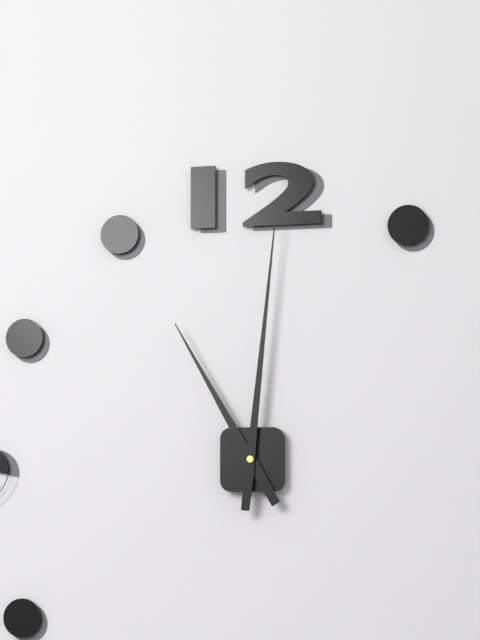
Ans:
11 h 01 min
